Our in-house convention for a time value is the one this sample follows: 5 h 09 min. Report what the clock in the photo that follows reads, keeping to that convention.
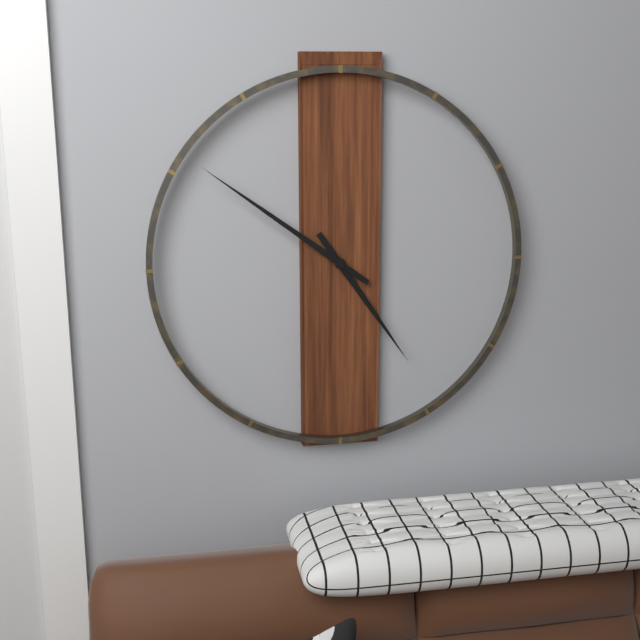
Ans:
4 h 51 min
